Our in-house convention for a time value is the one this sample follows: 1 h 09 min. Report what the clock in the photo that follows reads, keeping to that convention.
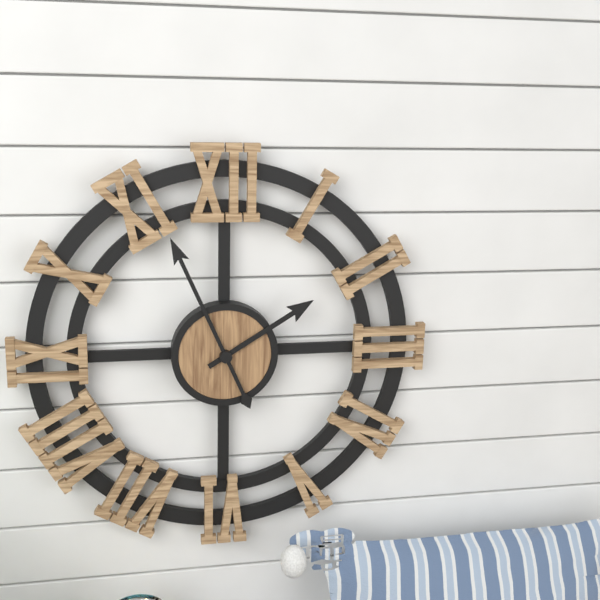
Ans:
1 h 56 min
